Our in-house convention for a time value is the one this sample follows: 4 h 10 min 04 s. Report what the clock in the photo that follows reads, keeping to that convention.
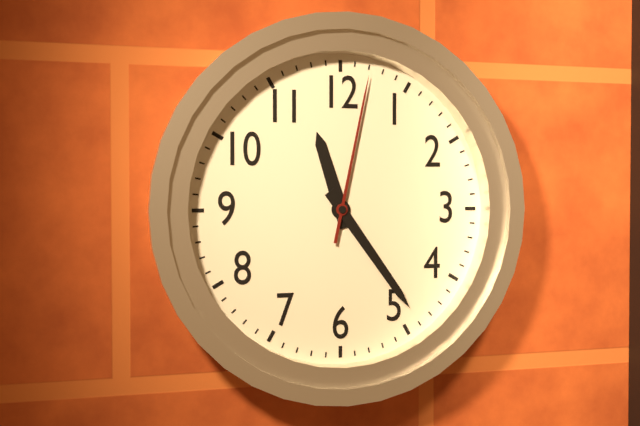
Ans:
11 h 24 min 02 s
